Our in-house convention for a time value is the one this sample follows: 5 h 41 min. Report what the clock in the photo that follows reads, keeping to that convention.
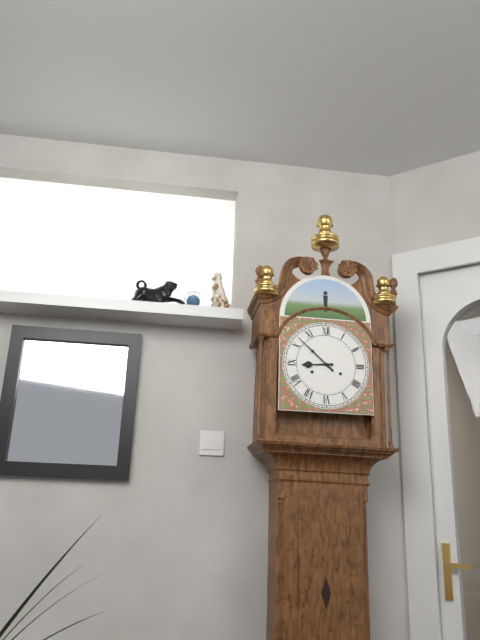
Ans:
8 h 52 min
